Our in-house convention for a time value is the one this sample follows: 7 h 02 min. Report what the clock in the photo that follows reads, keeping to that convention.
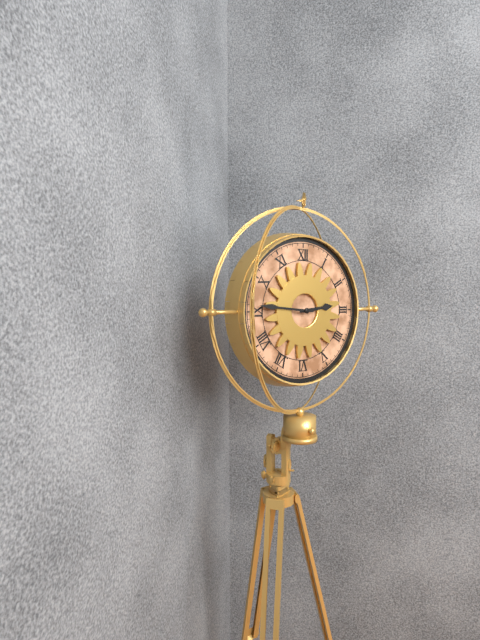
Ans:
2 h 46 min
